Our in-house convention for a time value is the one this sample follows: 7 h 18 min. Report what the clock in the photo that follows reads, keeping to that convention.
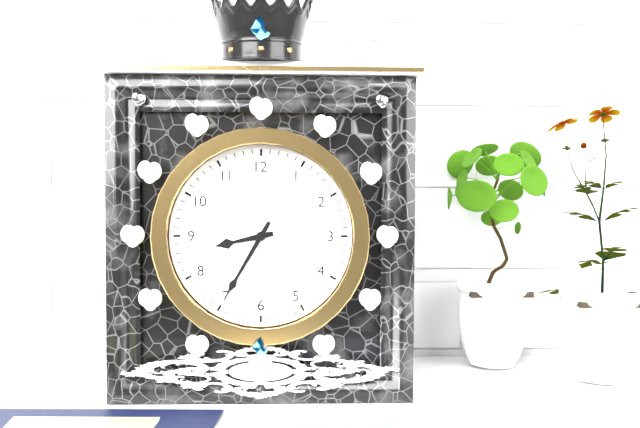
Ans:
8 h 35 min
